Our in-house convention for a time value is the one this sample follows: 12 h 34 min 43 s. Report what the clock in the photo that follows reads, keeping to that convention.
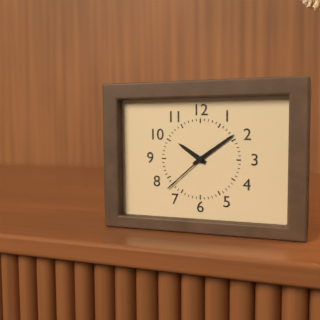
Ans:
10 h 09 min 38 s
